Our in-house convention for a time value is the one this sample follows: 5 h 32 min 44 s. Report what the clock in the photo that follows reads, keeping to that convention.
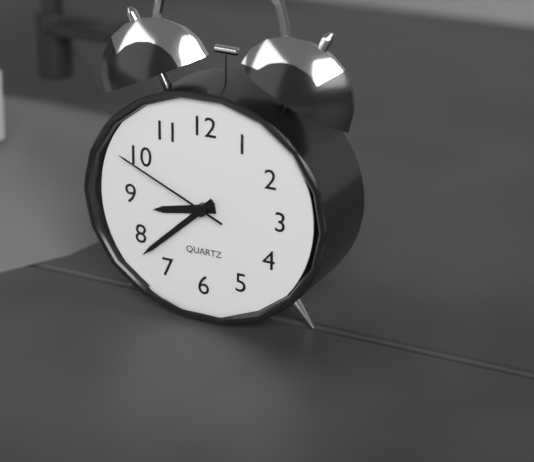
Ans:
8 h 38 min 49 s
